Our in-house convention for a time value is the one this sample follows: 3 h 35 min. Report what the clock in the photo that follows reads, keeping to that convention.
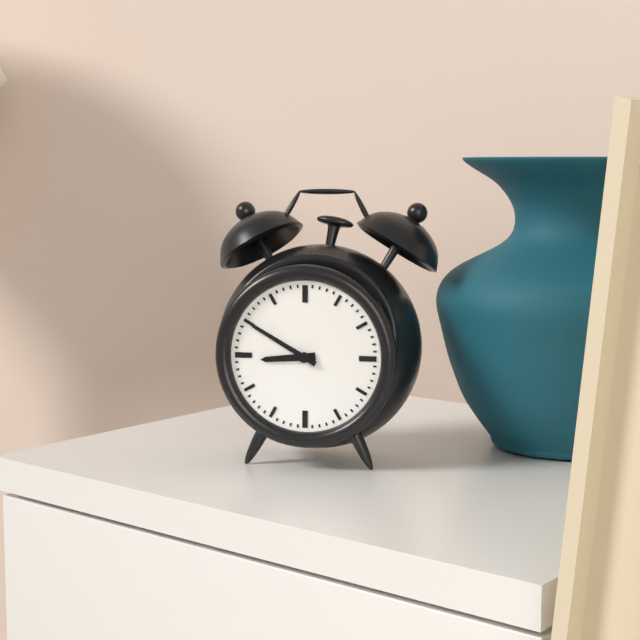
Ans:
8 h 50 min
